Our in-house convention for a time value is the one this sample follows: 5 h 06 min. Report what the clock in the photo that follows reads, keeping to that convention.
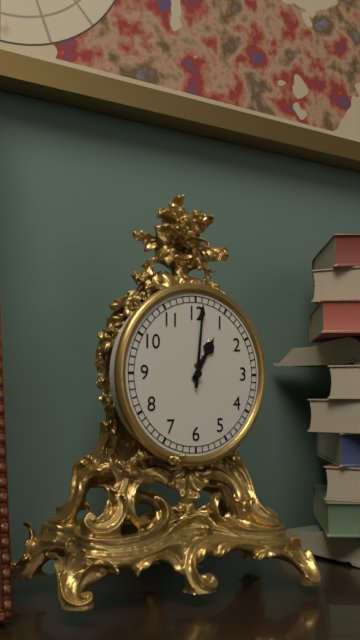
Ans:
1 h 01 min
